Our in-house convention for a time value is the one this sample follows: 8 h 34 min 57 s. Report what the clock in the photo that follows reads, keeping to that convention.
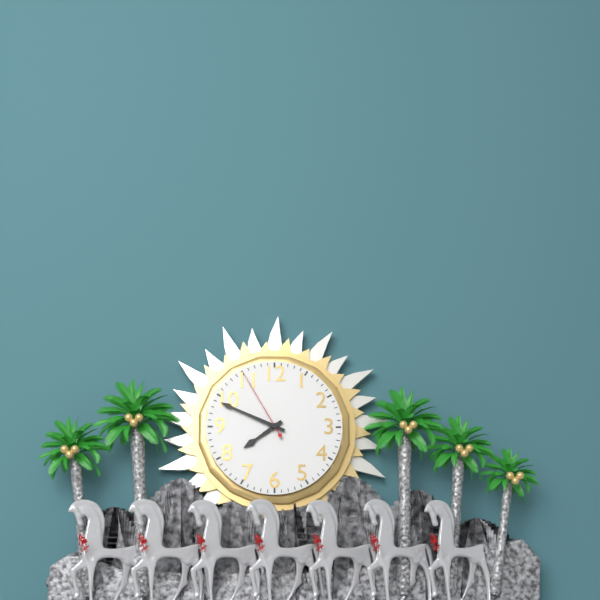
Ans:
7 h 49 min 55 s
